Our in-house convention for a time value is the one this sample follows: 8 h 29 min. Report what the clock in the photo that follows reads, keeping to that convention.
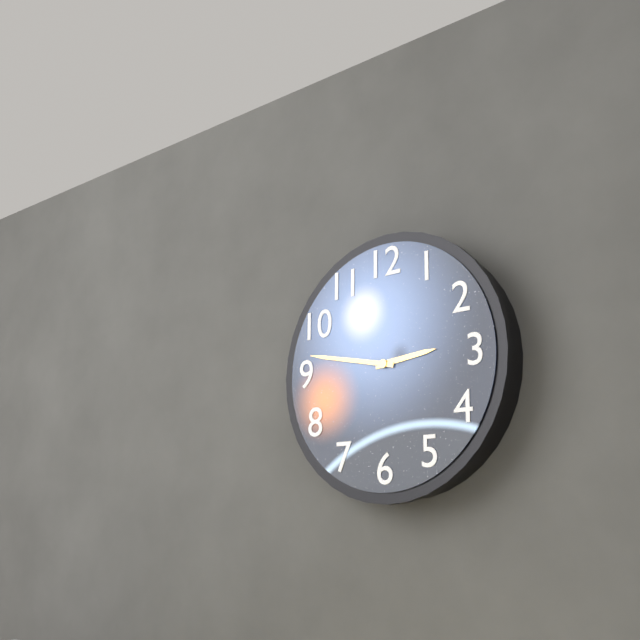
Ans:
2 h 47 min
